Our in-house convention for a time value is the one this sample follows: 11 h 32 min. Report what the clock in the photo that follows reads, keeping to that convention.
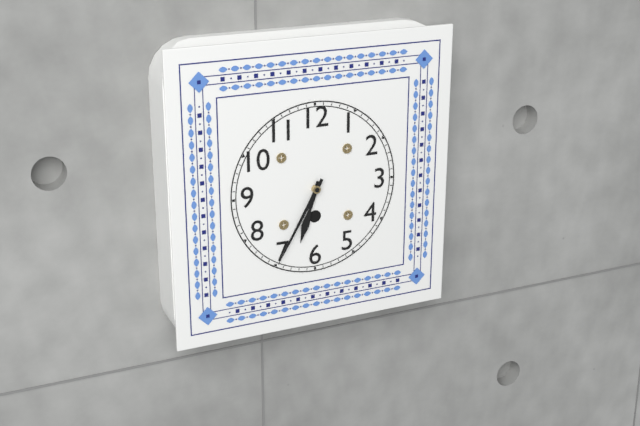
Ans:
6 h 35 min
